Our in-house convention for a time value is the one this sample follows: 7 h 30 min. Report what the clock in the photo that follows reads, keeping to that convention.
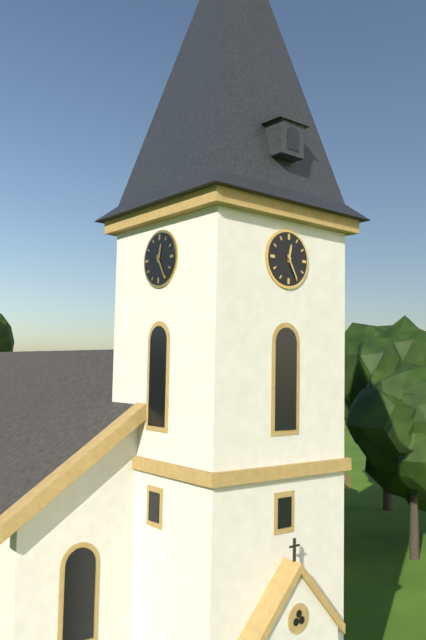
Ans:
12 h 25 min
